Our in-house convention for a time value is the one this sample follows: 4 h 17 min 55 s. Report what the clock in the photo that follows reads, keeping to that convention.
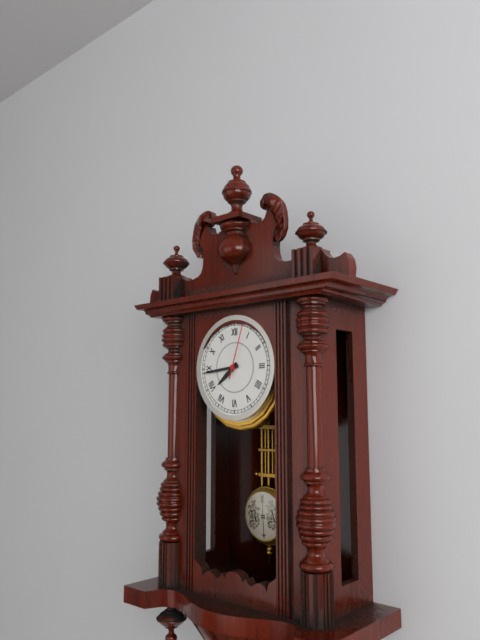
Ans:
7 h 44 min 03 s
